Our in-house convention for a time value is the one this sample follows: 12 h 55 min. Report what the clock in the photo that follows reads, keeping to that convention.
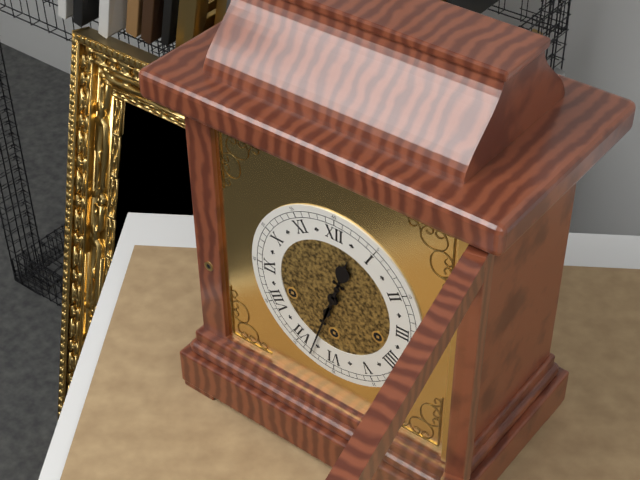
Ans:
12 h 33 min
